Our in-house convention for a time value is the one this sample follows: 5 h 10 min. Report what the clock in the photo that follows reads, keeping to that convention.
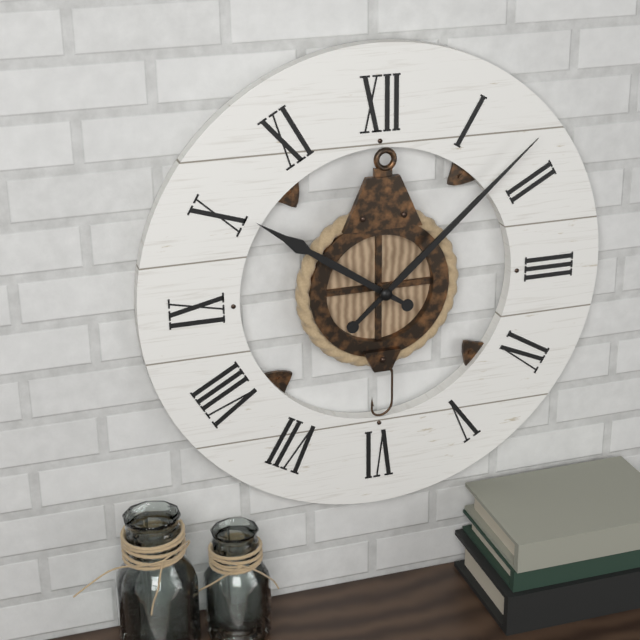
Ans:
10 h 08 min
